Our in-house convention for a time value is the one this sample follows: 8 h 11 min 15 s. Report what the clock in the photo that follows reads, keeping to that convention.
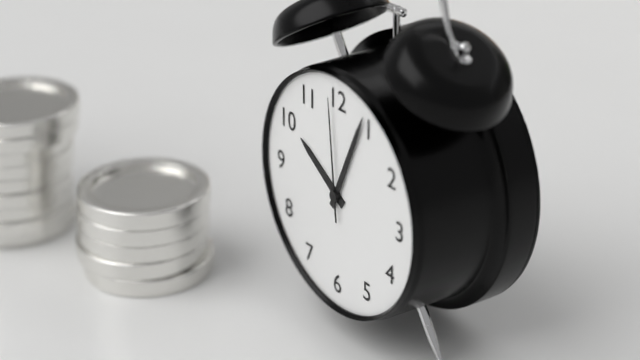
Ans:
10 h 04 min 59 s
